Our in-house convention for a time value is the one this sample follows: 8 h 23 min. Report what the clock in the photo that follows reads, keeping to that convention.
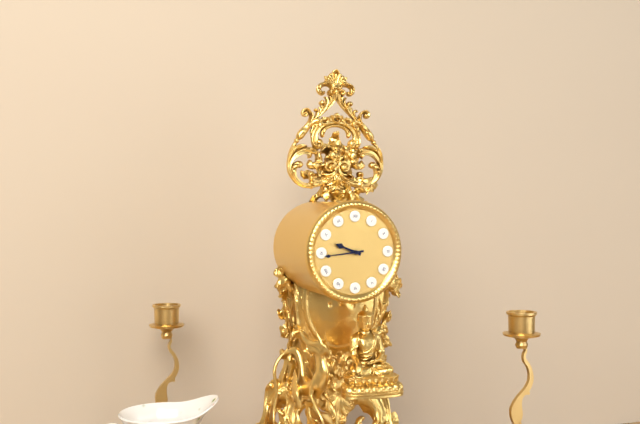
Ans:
9 h 44 min
